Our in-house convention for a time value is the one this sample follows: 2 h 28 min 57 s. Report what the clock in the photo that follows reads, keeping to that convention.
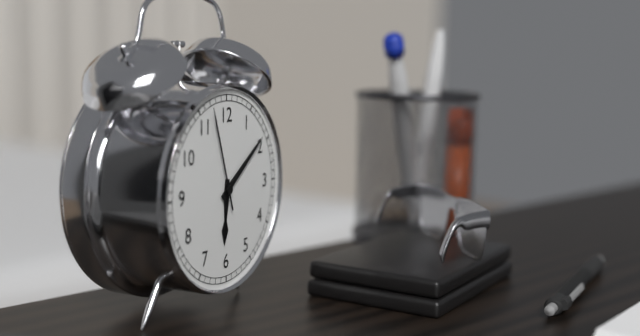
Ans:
6 h 09 min 57 s
